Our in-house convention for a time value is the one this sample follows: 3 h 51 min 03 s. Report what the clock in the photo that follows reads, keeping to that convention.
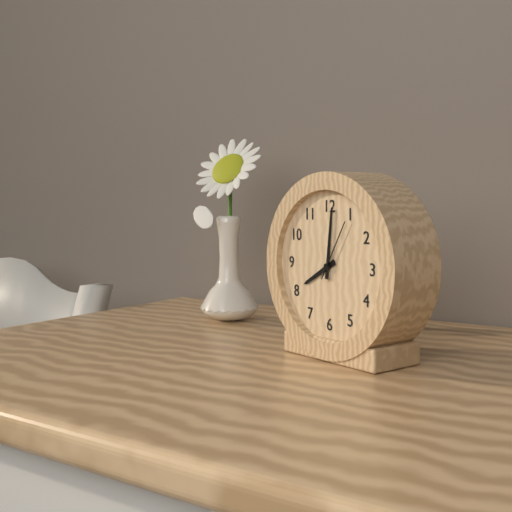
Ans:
8 h 01 min 05 s
